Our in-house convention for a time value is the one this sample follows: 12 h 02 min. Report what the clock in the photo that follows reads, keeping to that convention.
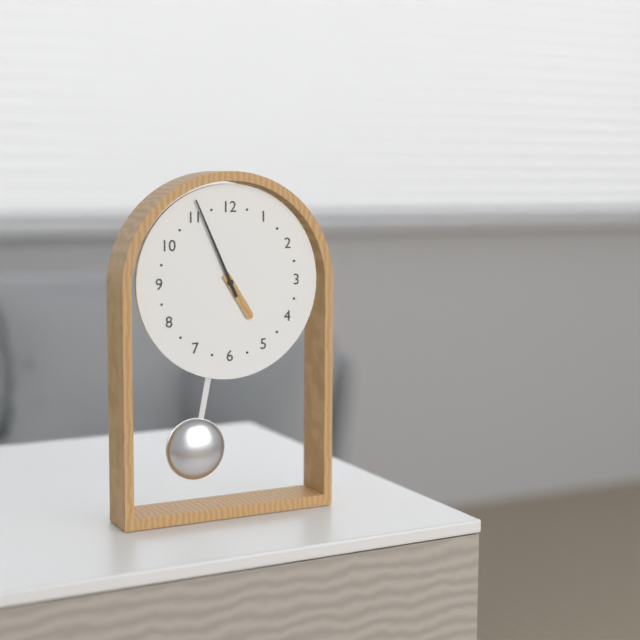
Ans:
4 h 56 min
